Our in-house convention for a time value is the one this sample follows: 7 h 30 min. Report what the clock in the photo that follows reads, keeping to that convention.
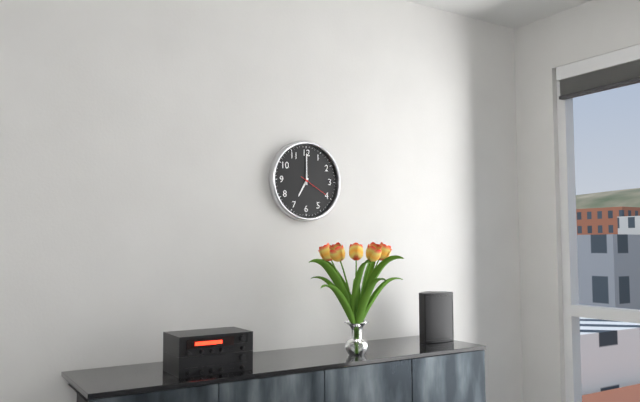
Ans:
7 h 00 min
